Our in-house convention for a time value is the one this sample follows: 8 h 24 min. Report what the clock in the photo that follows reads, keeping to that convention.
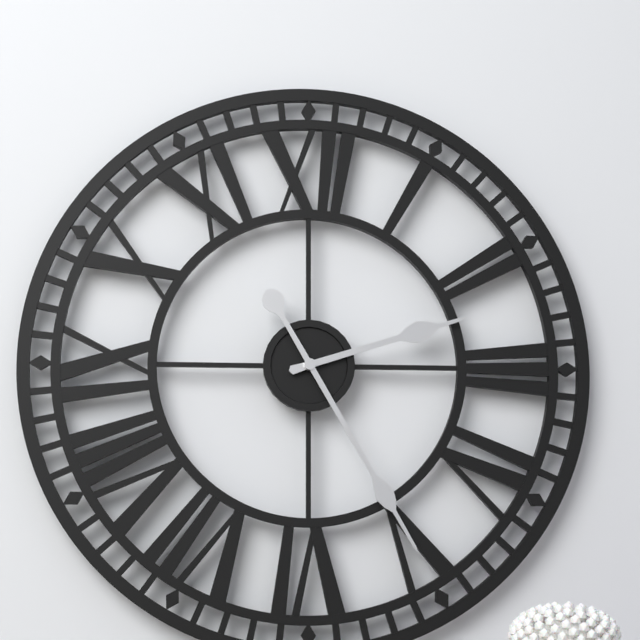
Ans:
2 h 25 min
